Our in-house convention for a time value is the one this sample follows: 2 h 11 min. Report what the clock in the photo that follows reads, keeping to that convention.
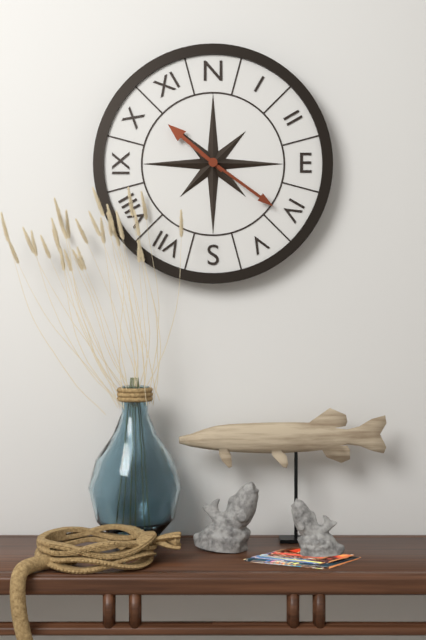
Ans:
10 h 21 min
